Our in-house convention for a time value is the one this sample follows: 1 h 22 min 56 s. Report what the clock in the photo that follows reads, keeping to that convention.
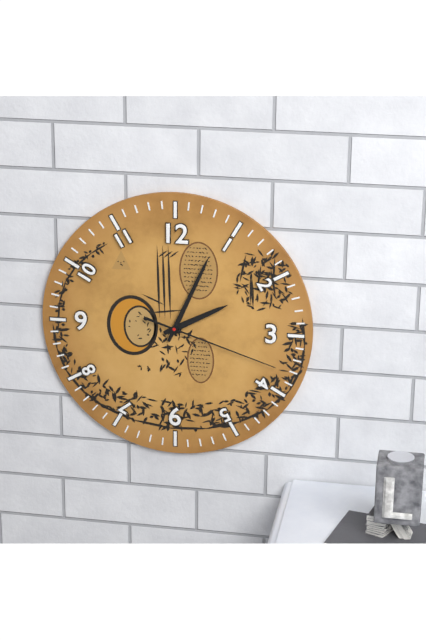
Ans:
2 h 04 min 18 s
